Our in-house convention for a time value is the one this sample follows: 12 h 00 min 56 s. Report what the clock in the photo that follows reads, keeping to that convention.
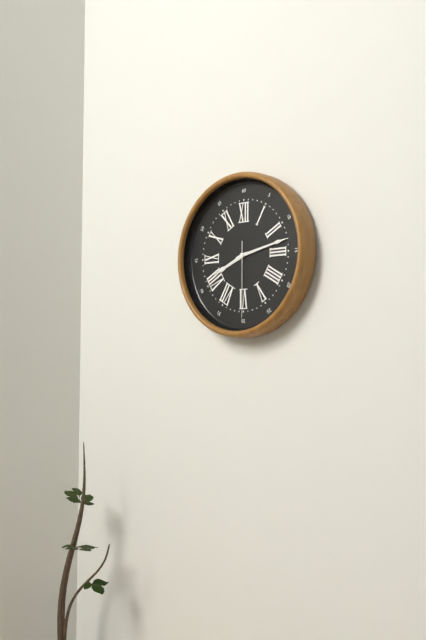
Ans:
8 h 13 min 30 s
